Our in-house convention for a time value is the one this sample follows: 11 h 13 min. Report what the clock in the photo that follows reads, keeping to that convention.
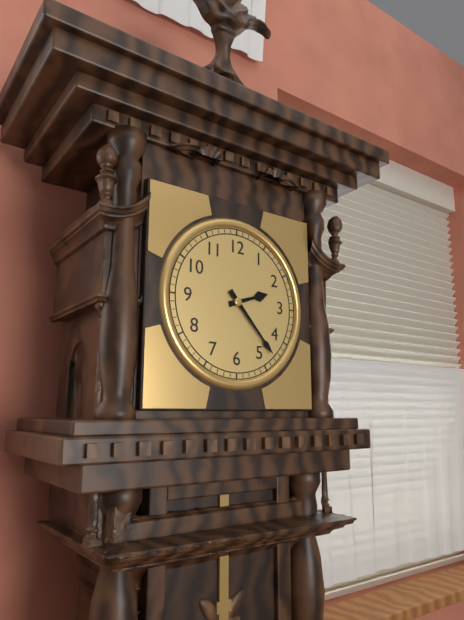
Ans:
2 h 23 min
